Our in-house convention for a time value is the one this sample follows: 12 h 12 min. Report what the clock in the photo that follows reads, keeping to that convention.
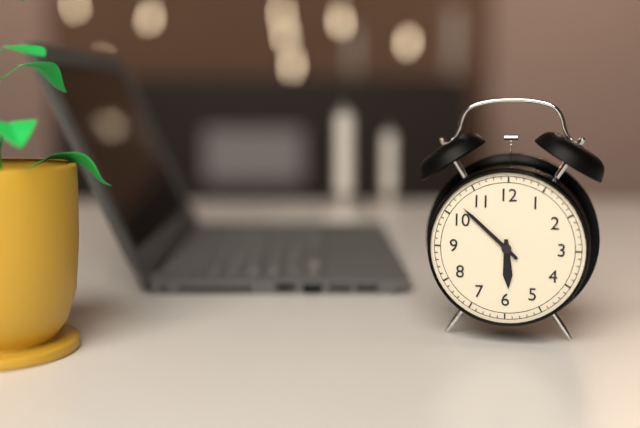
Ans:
5 h 52 min
